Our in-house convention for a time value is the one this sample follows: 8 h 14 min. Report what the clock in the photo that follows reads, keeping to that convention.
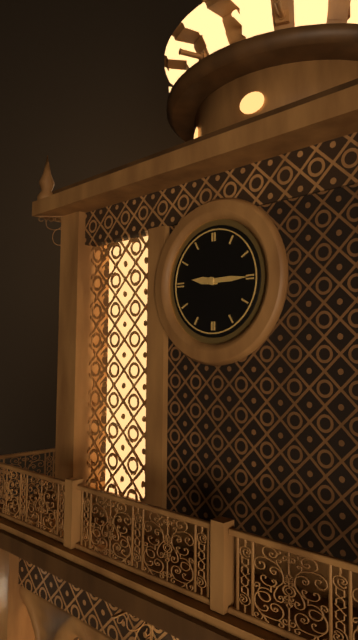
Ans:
9 h 15 min
